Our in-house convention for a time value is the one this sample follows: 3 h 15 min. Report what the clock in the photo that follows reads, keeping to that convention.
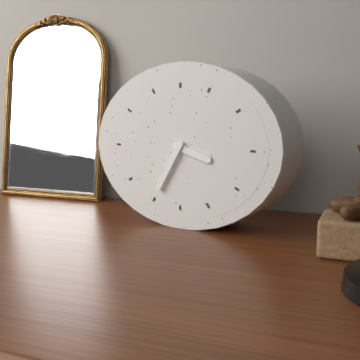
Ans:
3 h 35 min
